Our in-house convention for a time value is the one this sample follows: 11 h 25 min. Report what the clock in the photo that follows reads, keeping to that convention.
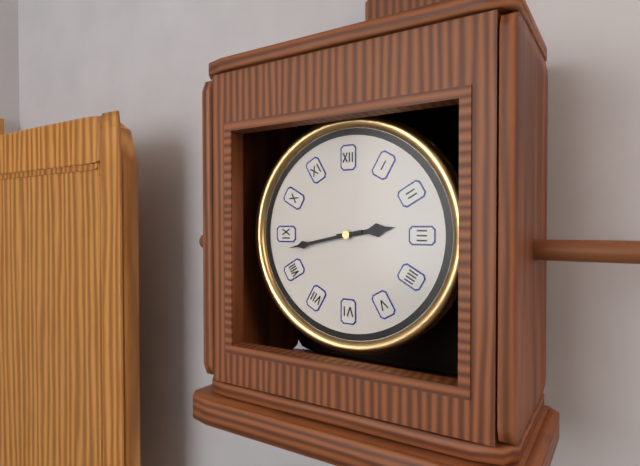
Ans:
2 h 43 min
